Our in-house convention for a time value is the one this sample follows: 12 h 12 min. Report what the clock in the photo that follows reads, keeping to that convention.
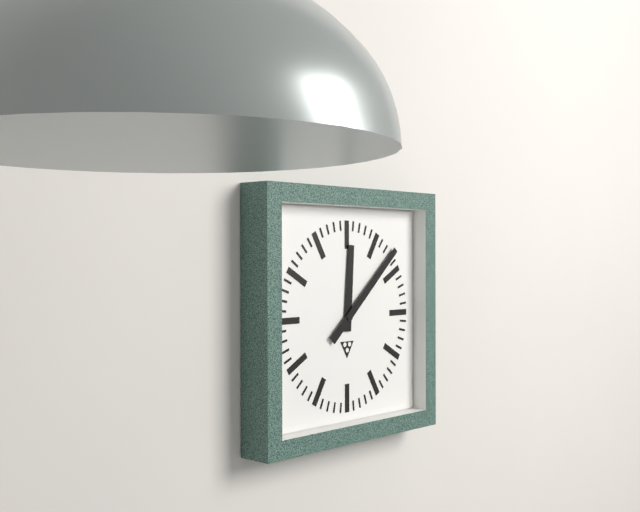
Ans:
12 h 08 min
